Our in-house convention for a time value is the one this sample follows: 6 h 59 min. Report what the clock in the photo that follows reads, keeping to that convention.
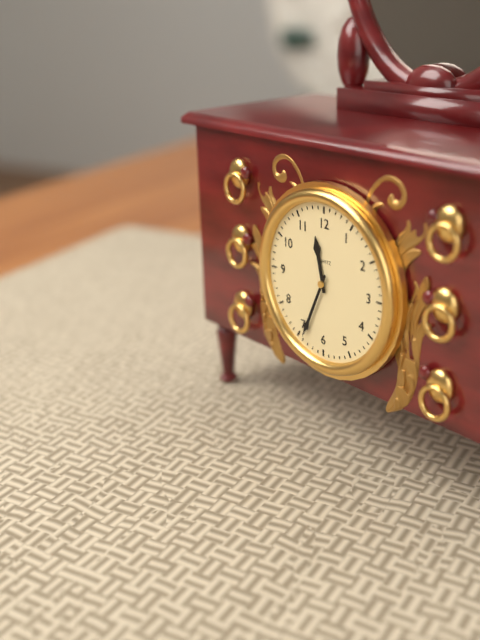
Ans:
11 h 34 min
